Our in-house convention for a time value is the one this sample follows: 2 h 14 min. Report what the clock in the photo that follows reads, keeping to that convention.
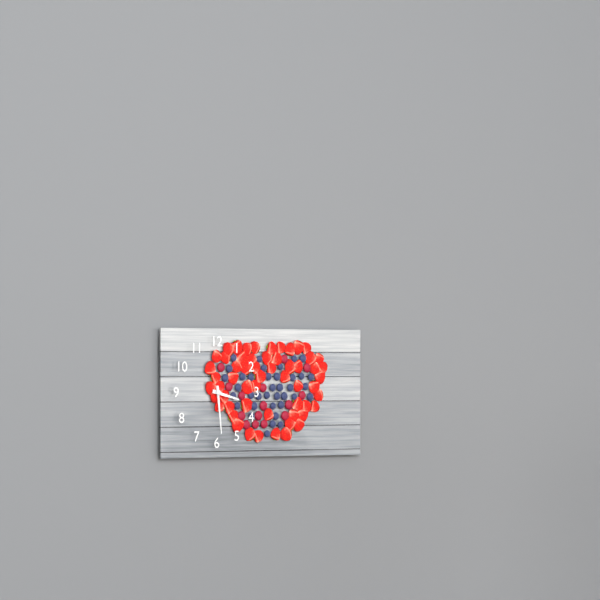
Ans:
3 h 29 min
